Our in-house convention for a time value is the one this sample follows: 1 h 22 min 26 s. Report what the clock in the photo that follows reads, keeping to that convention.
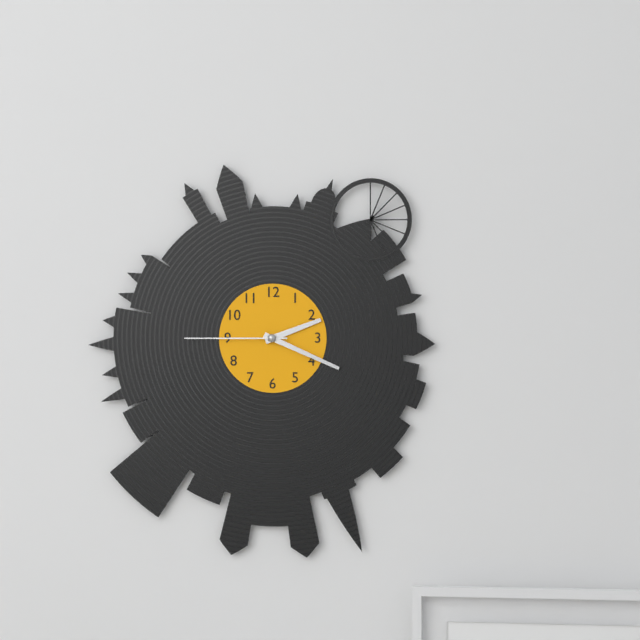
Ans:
2 h 19 min 45 s
